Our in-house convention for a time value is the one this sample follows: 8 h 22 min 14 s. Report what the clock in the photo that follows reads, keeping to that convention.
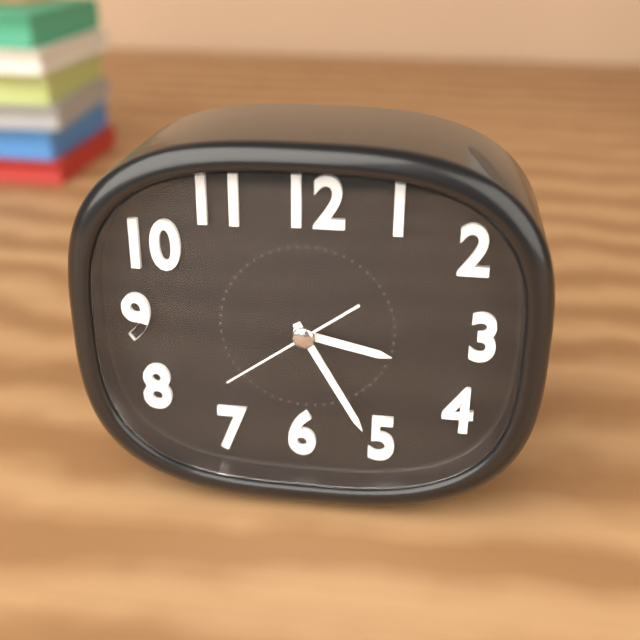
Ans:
3 h 25 min 39 s
